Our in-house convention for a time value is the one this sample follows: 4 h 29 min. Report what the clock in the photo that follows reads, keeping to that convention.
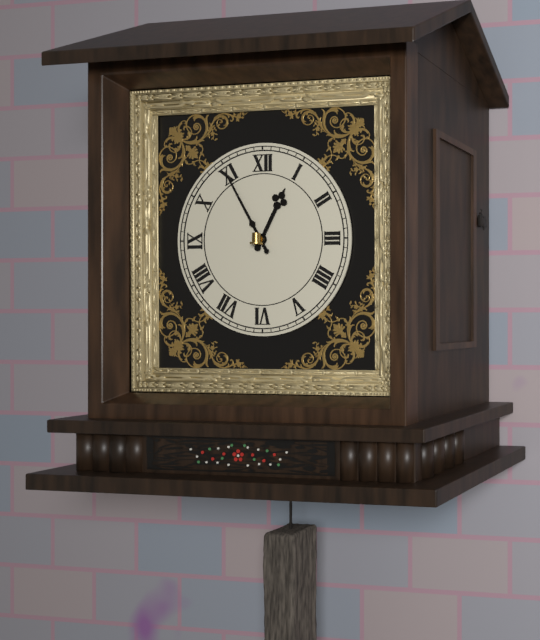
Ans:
12 h 55 min
